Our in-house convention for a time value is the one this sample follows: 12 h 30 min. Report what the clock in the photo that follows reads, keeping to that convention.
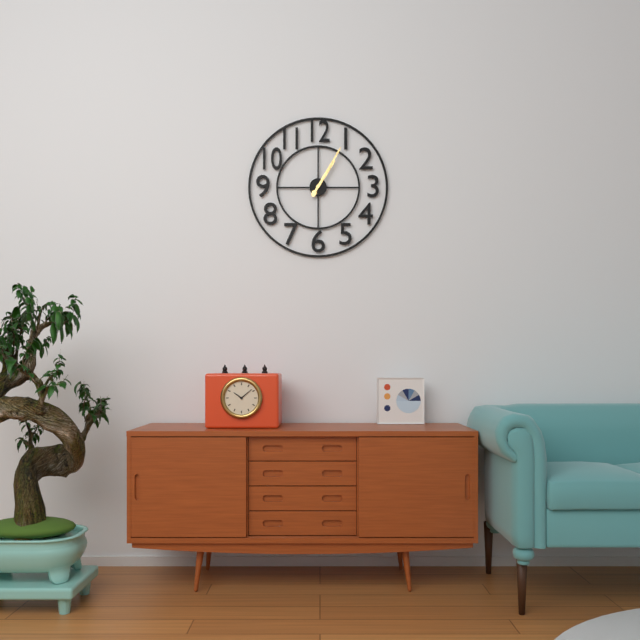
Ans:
1 h 05 min
